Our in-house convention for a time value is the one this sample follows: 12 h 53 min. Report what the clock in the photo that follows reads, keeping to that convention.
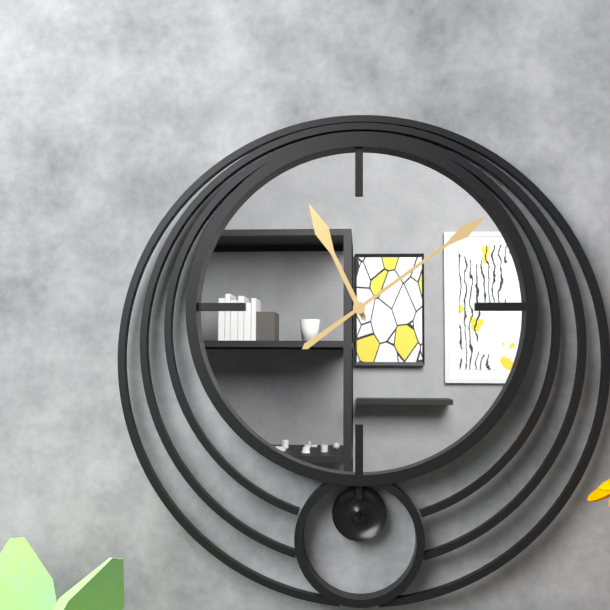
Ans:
11 h 09 min
